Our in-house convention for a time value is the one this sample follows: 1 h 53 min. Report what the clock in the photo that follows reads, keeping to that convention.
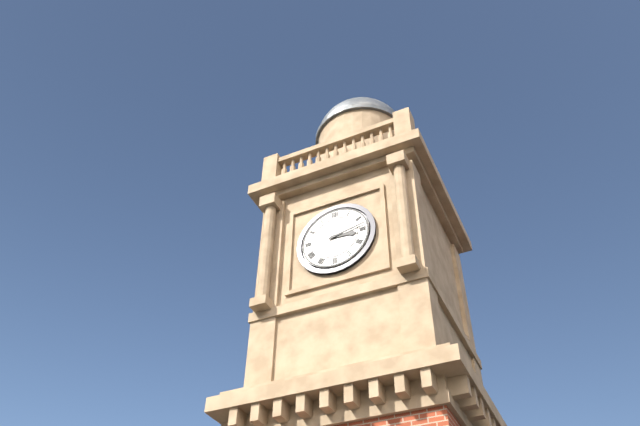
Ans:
3 h 13 min
